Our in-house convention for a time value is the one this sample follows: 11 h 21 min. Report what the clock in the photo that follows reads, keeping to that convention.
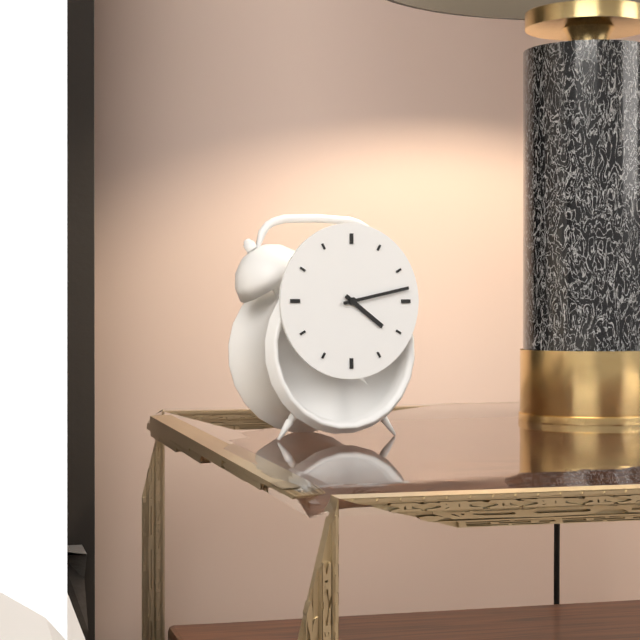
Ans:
4 h 13 min
